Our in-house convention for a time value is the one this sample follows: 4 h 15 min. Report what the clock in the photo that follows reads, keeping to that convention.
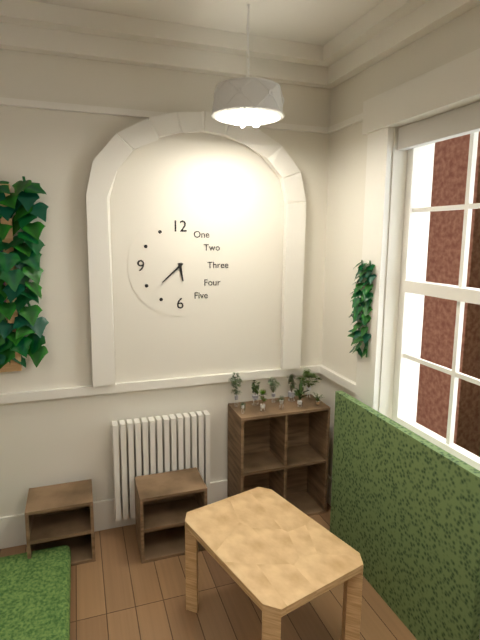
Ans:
5 h 38 min
